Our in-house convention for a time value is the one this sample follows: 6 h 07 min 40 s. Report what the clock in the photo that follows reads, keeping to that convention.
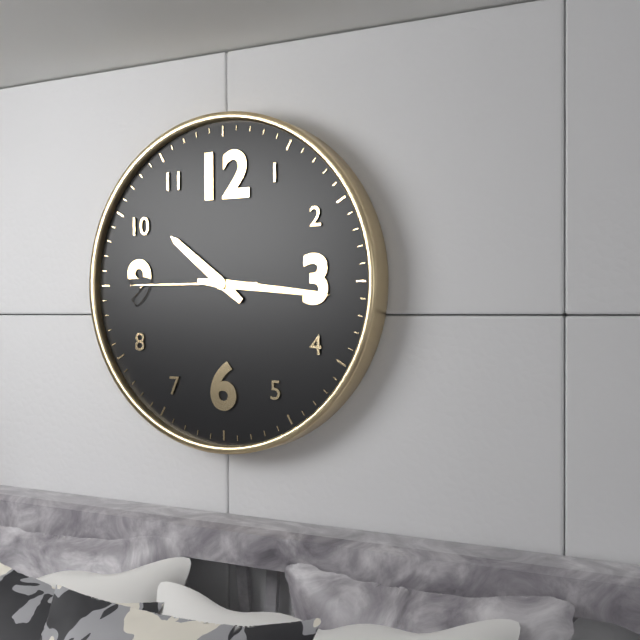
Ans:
10 h 16 min 45 s
